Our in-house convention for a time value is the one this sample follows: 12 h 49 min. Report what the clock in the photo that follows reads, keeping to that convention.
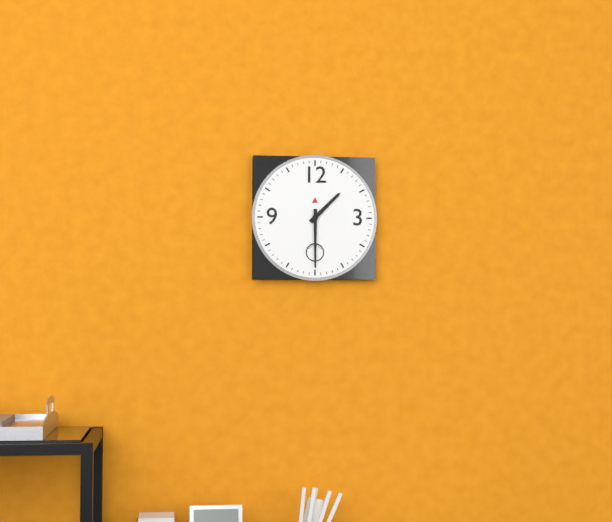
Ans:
1 h 30 min
